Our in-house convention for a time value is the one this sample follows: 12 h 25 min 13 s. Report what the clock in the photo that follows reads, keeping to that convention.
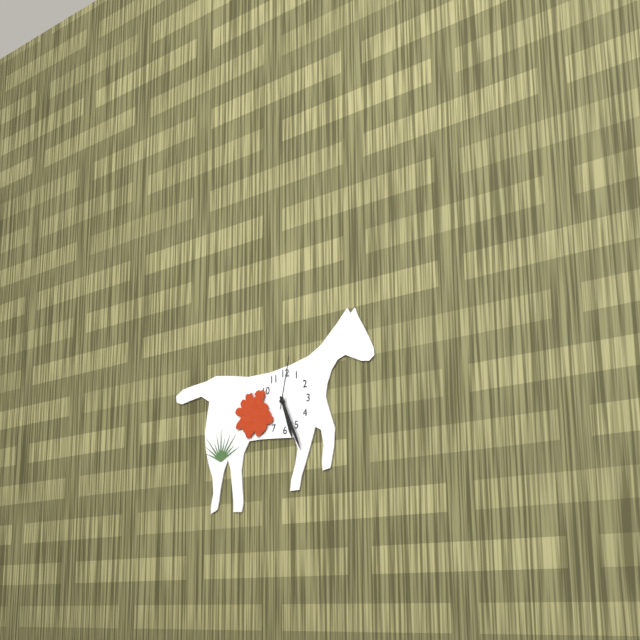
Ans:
5 h 26 min 02 s
